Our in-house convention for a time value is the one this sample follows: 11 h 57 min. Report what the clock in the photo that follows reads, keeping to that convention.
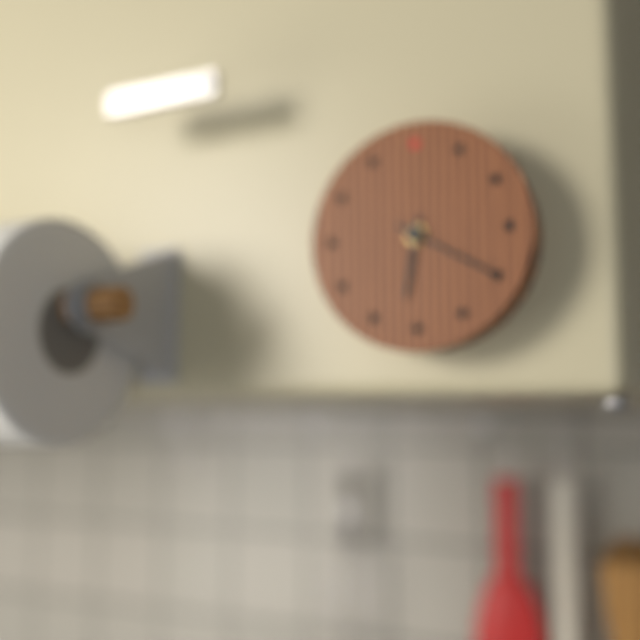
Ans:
6 h 20 min
